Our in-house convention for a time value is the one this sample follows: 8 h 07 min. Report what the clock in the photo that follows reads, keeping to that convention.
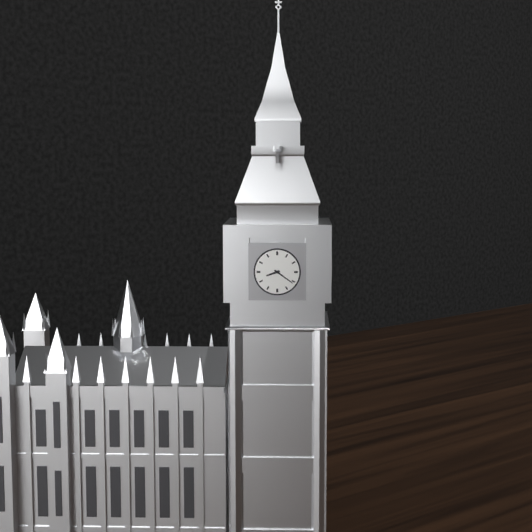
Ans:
8 h 21 min
